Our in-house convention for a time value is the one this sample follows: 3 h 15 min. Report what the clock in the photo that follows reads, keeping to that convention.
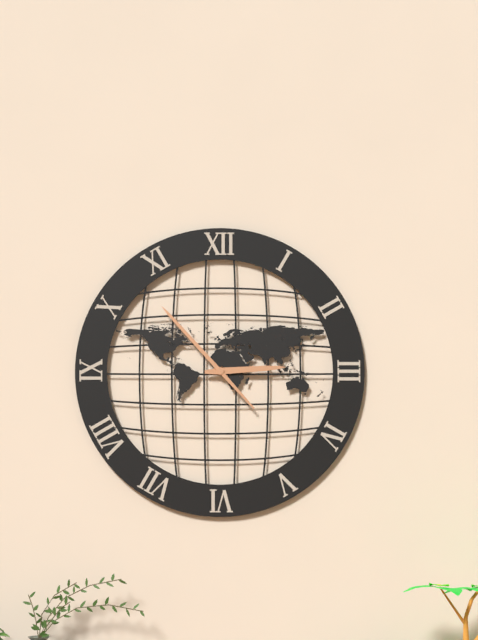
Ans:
2 h 53 min
